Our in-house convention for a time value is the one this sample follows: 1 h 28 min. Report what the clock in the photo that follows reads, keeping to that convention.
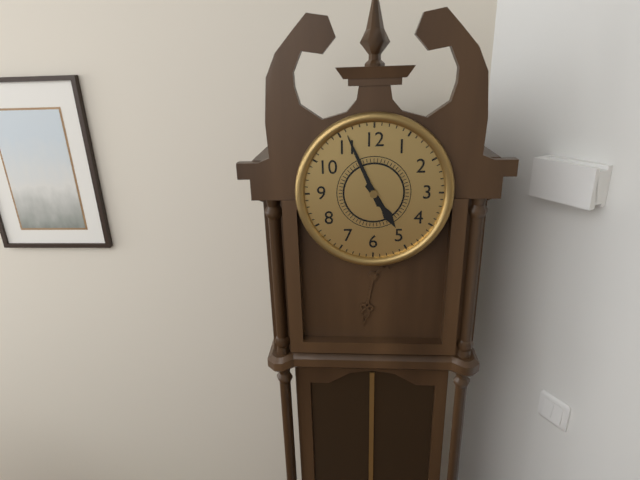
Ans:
4 h 56 min
